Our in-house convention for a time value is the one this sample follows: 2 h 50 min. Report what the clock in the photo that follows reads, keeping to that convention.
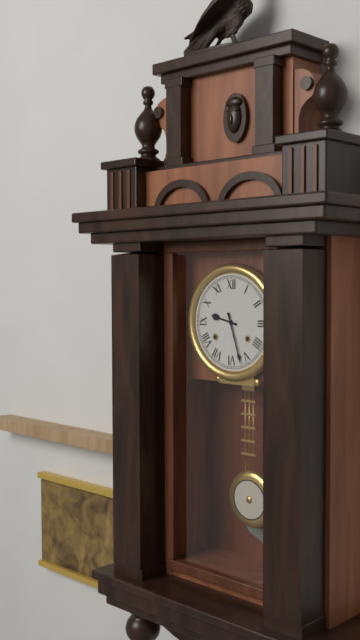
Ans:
9 h 27 min
